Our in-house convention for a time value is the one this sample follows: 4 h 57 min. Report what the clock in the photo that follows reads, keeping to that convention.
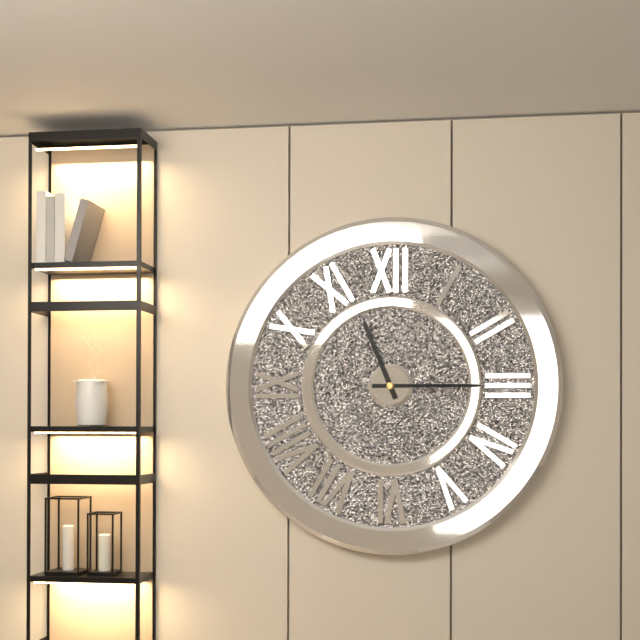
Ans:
11 h 15 min
